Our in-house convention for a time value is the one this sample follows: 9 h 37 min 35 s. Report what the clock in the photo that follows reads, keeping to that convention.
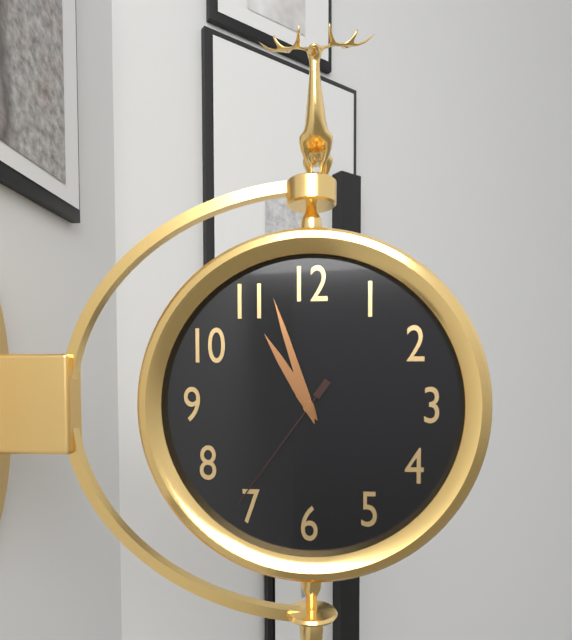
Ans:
10 h 57 min 36 s
